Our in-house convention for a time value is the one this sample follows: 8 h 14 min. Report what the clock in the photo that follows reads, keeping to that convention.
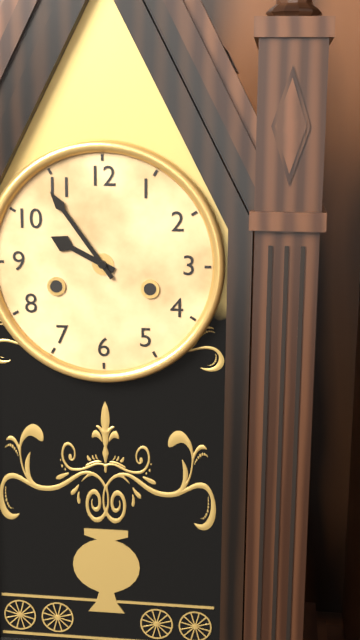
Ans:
9 h 54 min
